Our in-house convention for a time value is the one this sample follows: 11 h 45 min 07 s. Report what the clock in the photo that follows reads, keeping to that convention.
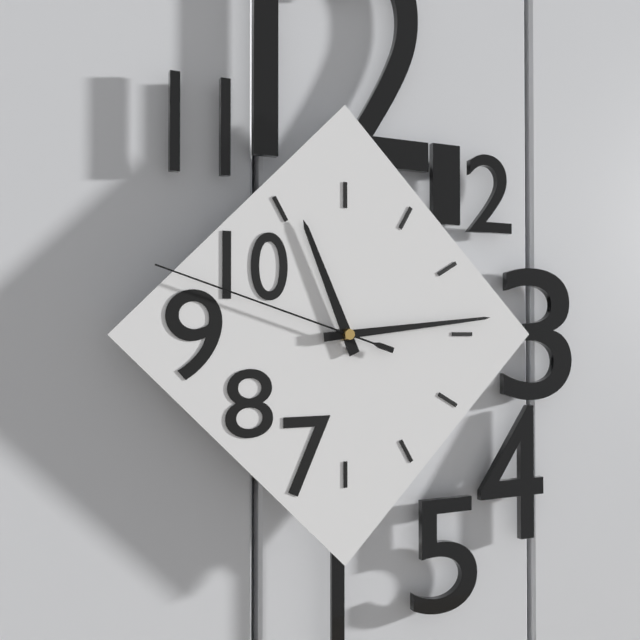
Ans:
11 h 14 min 48 s
